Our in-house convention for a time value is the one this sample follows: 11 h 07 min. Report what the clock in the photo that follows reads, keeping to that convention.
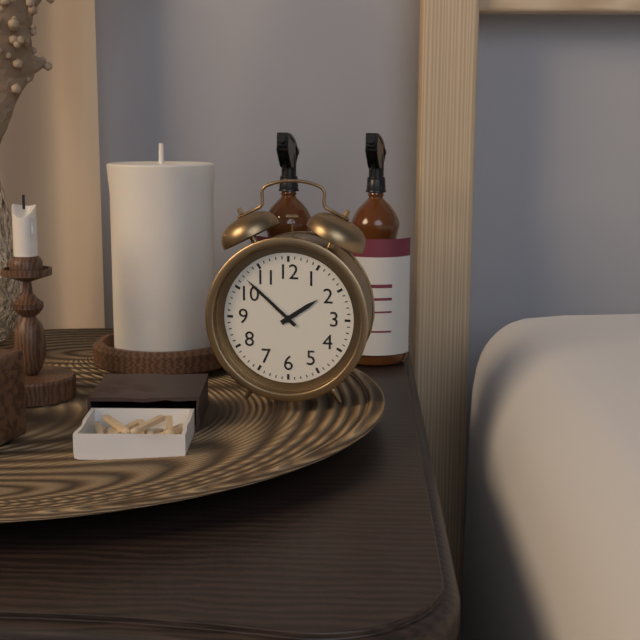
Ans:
1 h 52 min
